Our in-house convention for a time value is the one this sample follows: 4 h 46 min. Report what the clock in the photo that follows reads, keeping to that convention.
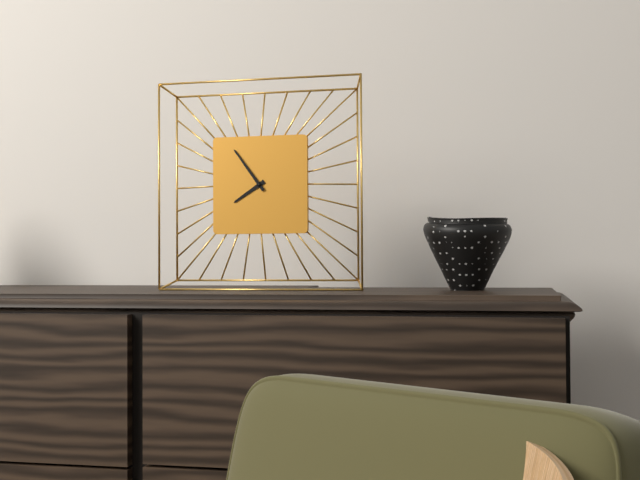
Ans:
7 h 54 min
